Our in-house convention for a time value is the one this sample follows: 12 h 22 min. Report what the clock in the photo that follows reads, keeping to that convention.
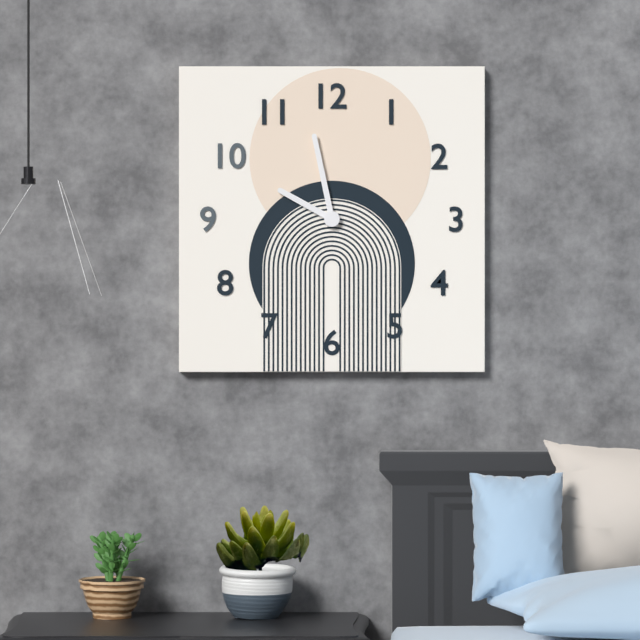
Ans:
9 h 58 min
